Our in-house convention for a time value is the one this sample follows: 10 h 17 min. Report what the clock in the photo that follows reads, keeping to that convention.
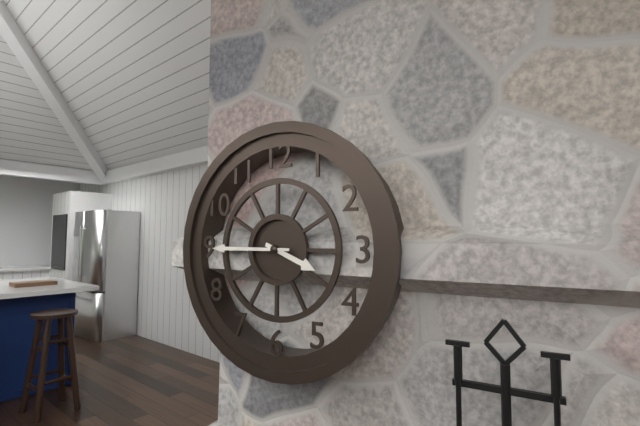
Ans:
3 h 45 min
